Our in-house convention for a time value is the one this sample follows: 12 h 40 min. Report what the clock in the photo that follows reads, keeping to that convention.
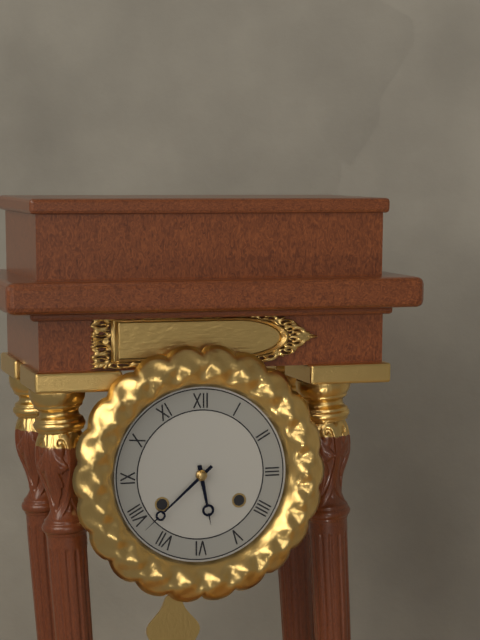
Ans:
5 h 38 min
